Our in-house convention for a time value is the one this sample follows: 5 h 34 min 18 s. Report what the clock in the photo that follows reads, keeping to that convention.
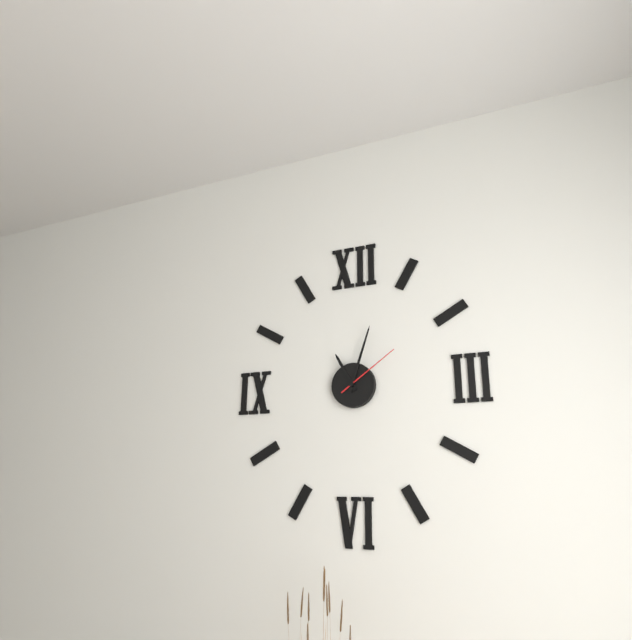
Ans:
11 h 03 min 09 s
